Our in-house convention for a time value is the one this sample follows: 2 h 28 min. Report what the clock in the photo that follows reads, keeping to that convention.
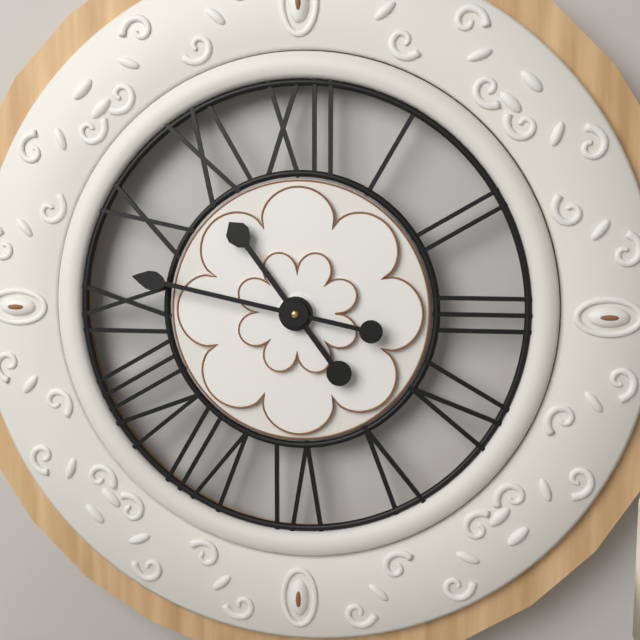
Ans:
10 h 47 min
